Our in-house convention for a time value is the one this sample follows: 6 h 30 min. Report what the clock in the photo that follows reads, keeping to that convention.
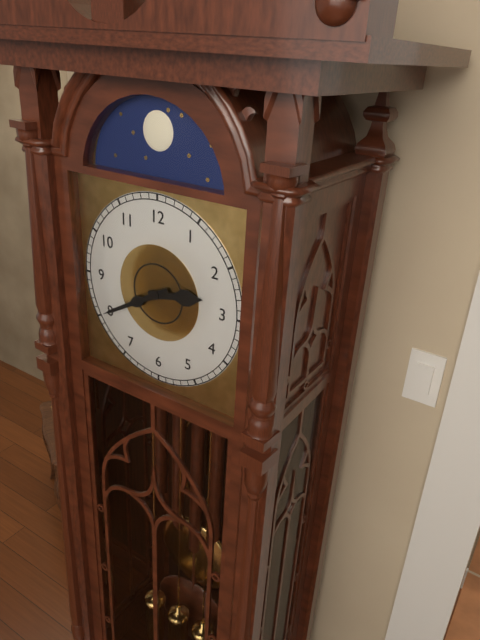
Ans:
2 h 40 min
